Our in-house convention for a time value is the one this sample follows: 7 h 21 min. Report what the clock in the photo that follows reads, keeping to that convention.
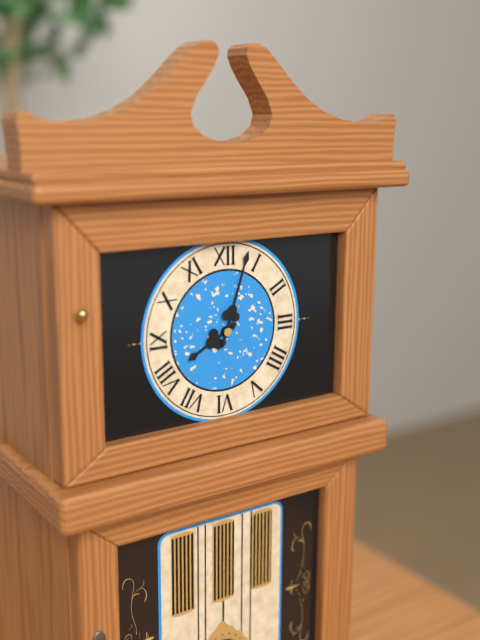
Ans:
8 h 03 min
